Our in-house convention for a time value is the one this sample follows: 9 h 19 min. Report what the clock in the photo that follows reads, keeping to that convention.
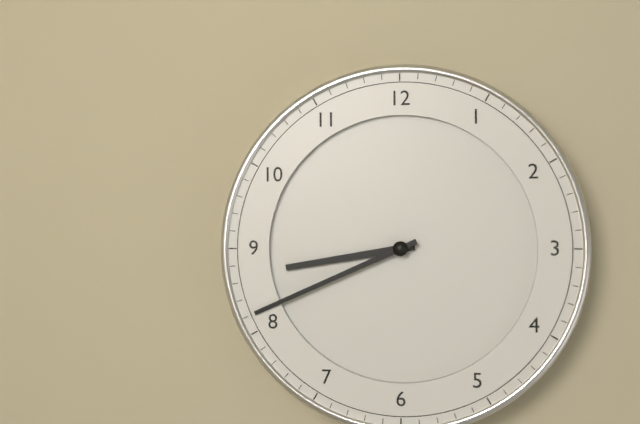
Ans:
8 h 41 min
